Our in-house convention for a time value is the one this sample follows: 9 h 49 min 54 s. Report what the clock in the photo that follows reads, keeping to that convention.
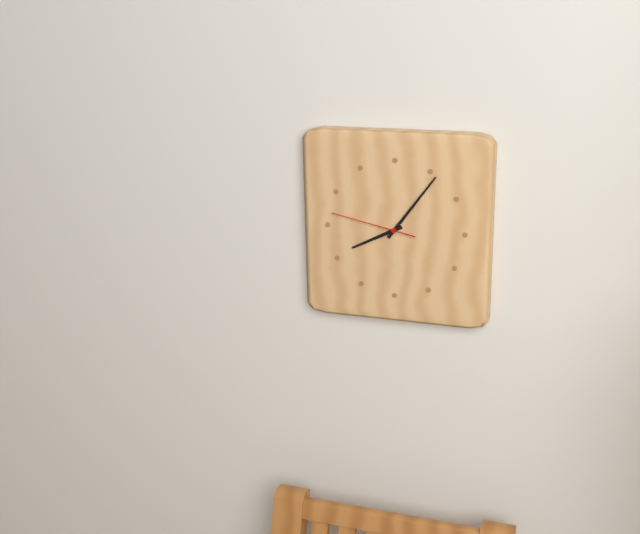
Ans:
8 h 06 min 47 s
